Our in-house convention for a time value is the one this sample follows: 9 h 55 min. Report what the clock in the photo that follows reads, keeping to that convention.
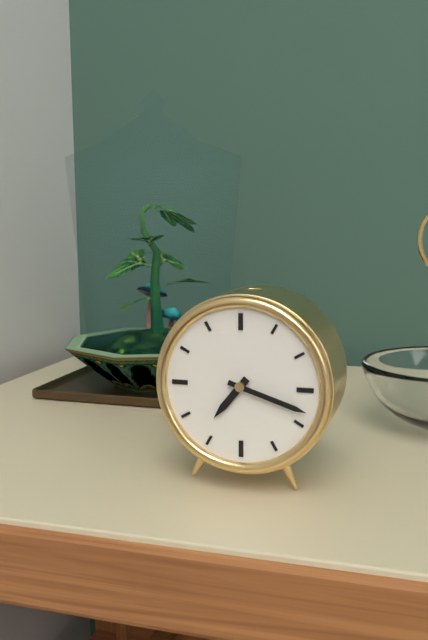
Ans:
7 h 18 min
